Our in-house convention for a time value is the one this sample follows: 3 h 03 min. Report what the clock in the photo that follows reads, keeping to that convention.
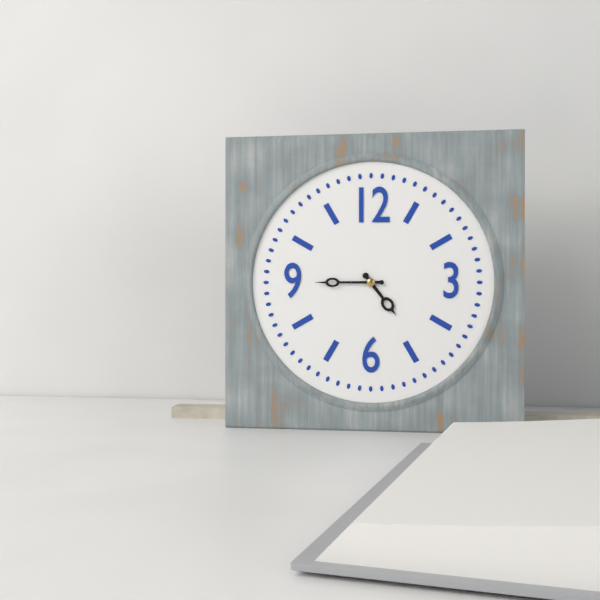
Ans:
4 h 45 min
